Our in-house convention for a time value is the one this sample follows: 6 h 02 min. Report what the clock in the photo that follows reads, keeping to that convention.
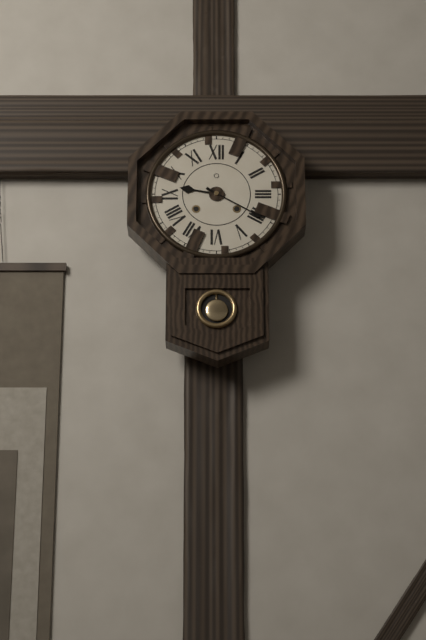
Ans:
9 h 20 min
